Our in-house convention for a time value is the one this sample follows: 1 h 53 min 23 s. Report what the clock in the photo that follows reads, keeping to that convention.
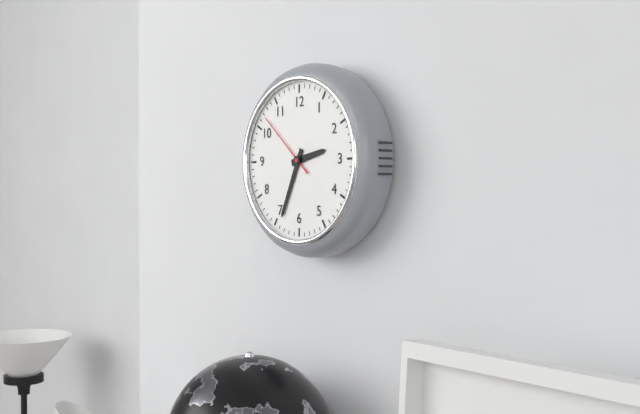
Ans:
2 h 34 min 52 s
